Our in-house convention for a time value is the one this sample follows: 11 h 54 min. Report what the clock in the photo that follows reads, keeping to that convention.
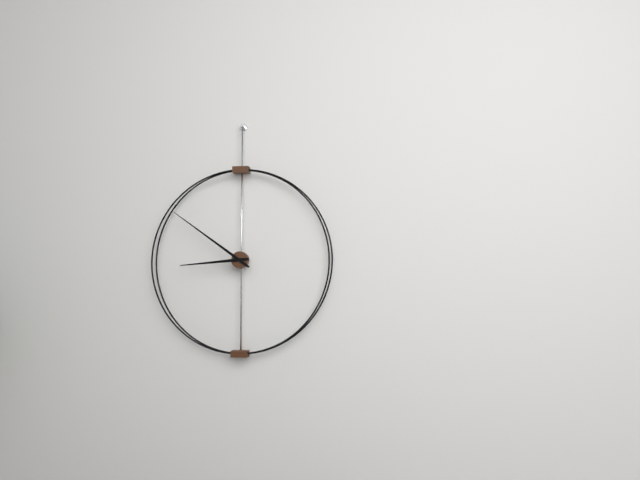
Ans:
8 h 51 min
